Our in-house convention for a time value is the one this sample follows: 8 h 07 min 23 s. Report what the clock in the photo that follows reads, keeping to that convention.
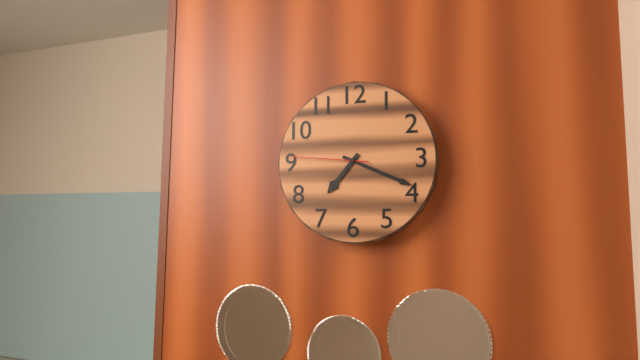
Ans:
7 h 19 min 46 s
